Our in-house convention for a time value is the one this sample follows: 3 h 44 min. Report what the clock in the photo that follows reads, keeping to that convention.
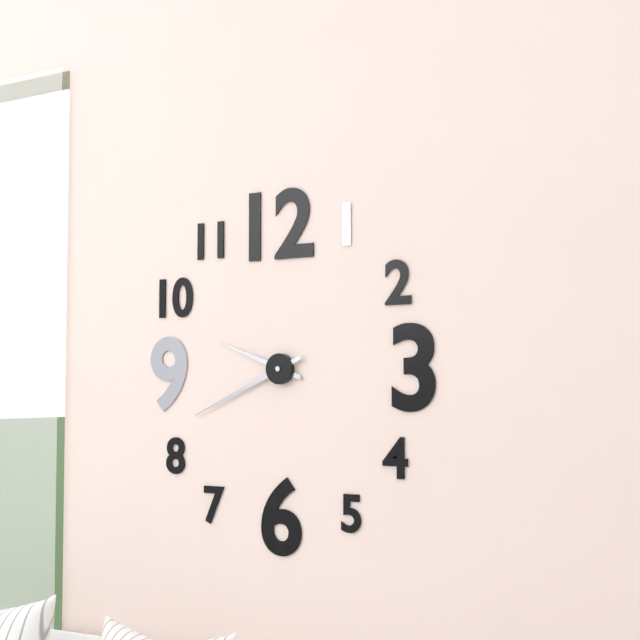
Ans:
9 h 41 min
